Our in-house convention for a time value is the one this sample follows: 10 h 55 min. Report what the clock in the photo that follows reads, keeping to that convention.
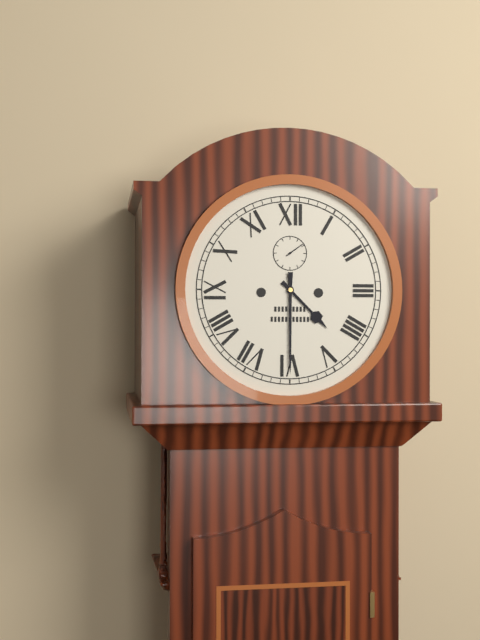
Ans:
4 h 30 min
